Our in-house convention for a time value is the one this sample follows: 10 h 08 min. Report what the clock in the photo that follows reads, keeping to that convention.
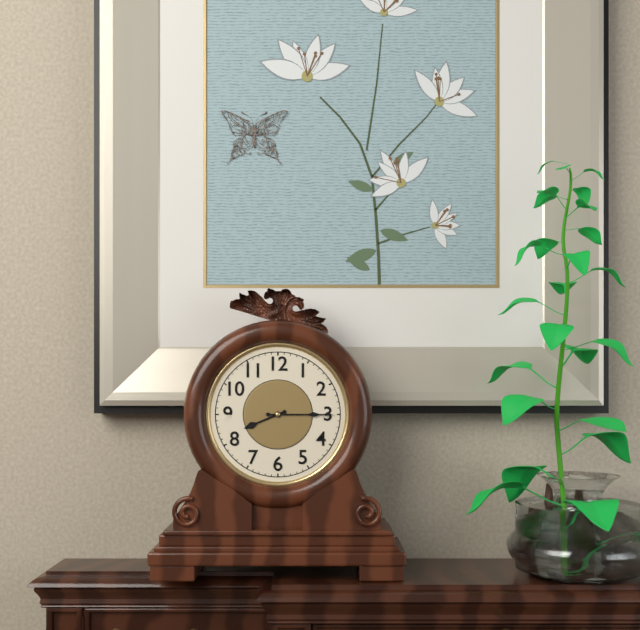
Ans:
8 h 15 min
